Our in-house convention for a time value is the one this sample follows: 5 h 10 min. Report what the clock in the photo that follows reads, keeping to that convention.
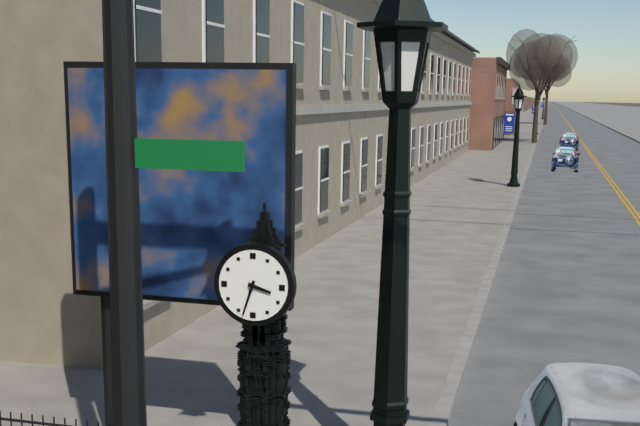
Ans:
3 h 33 min
